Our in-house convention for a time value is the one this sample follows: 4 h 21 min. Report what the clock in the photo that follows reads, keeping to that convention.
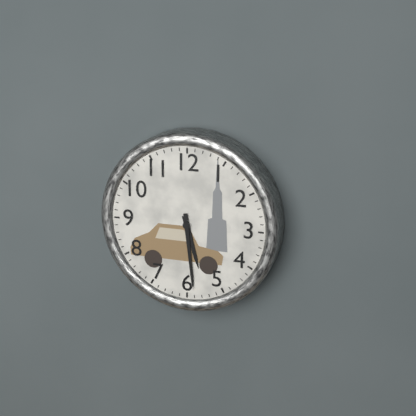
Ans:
5 h 29 min
